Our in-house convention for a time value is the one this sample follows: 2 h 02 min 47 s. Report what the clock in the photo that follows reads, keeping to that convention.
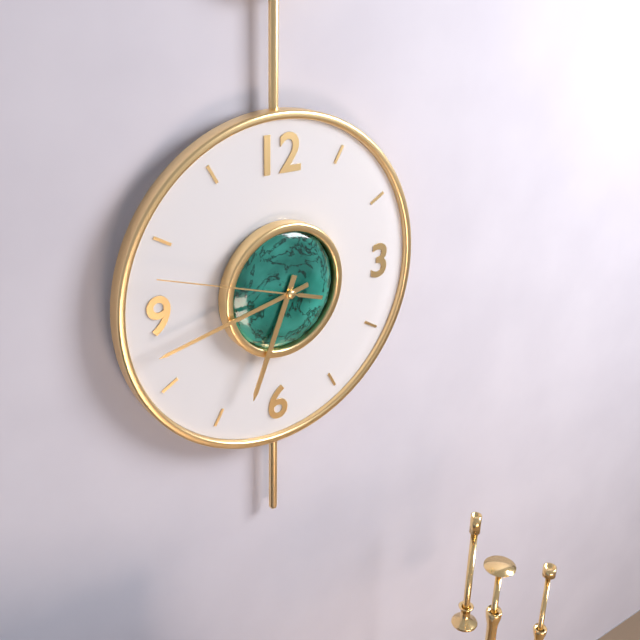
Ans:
6 h 43 min 48 s
